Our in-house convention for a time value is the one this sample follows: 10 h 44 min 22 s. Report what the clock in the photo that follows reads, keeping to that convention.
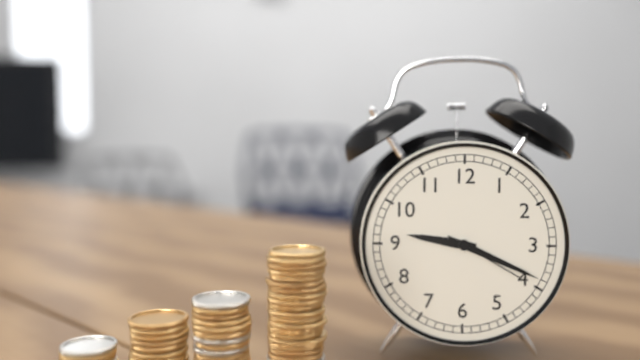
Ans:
9 h 19 min 20 s
